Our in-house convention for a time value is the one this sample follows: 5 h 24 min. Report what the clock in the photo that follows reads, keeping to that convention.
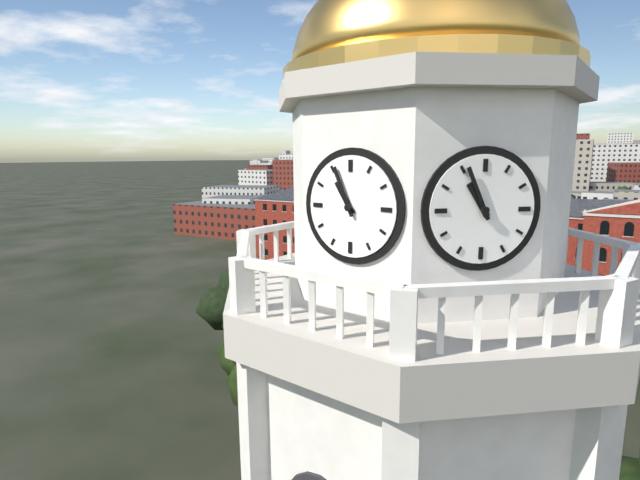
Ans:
10 h 56 min
